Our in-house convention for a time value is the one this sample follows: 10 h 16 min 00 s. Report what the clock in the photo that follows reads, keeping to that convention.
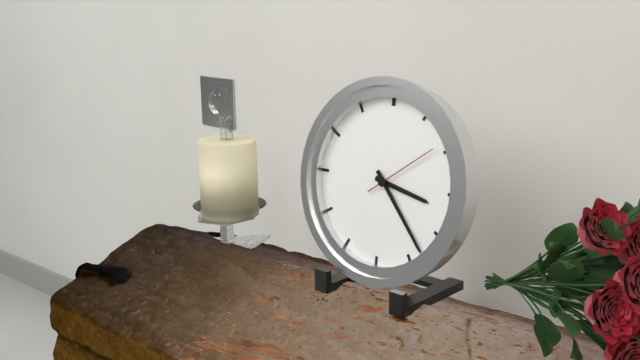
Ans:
3 h 23 min 09 s
